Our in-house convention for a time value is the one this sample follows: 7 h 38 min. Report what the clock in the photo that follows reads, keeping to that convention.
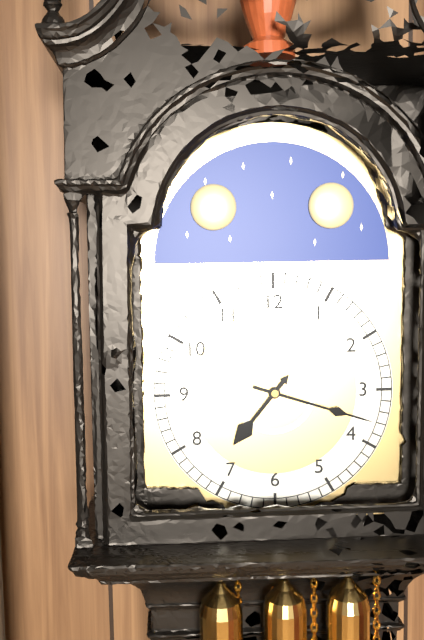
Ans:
7 h 18 min
